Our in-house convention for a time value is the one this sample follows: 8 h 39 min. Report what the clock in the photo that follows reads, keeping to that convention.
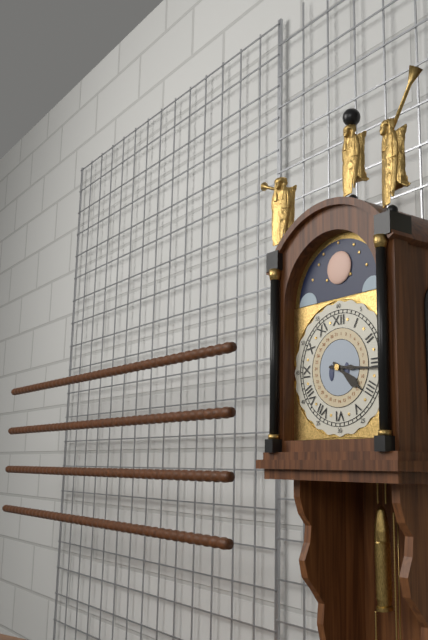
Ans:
4 h 16 min
